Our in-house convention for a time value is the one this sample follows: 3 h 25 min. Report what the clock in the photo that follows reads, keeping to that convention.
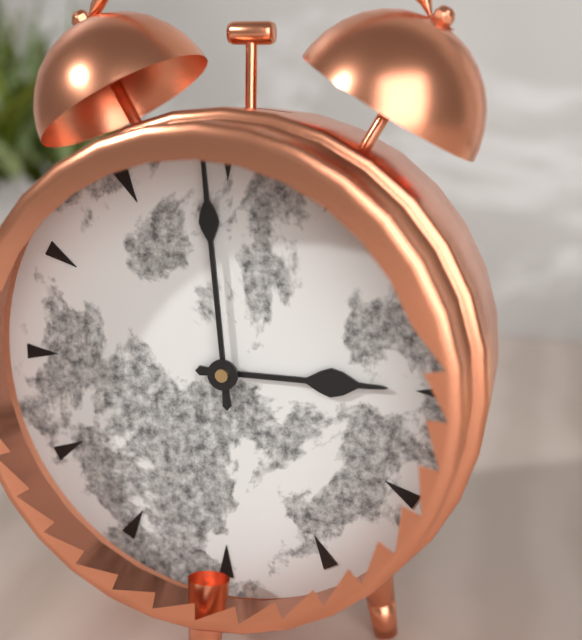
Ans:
2 h 59 min
